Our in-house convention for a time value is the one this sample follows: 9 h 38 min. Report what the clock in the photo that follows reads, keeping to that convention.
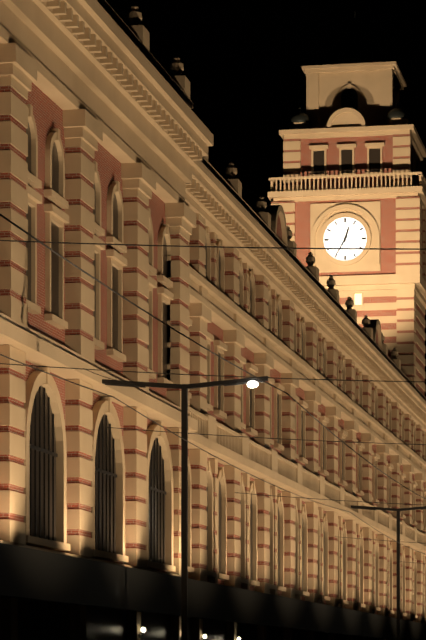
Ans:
12 h 35 min
